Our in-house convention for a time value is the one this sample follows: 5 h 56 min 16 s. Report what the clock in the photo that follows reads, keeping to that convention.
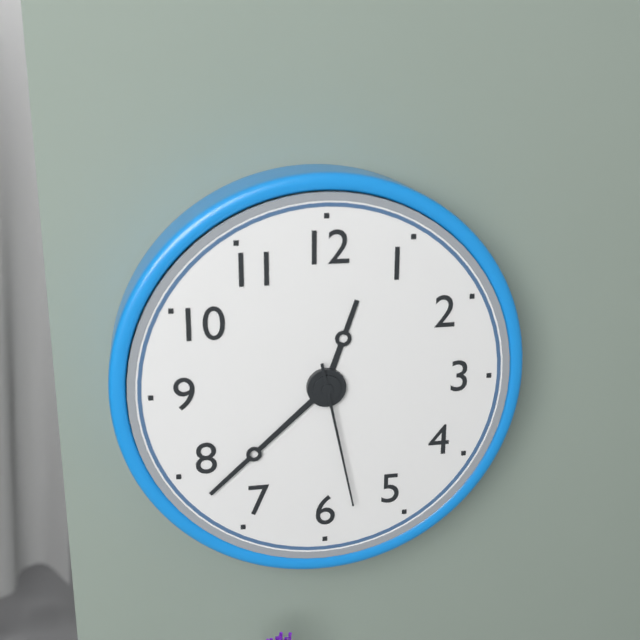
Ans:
12 h 38 min 28 s
